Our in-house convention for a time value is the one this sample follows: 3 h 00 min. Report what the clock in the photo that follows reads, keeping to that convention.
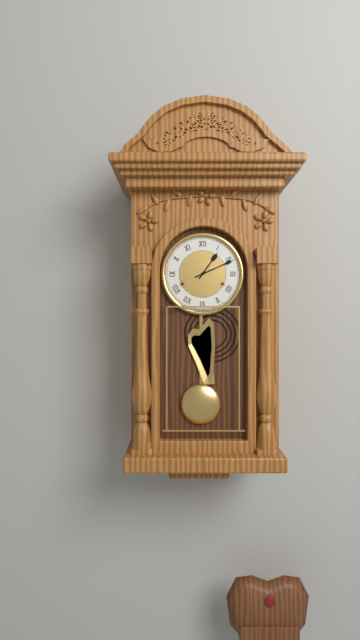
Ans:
1 h 11 min
